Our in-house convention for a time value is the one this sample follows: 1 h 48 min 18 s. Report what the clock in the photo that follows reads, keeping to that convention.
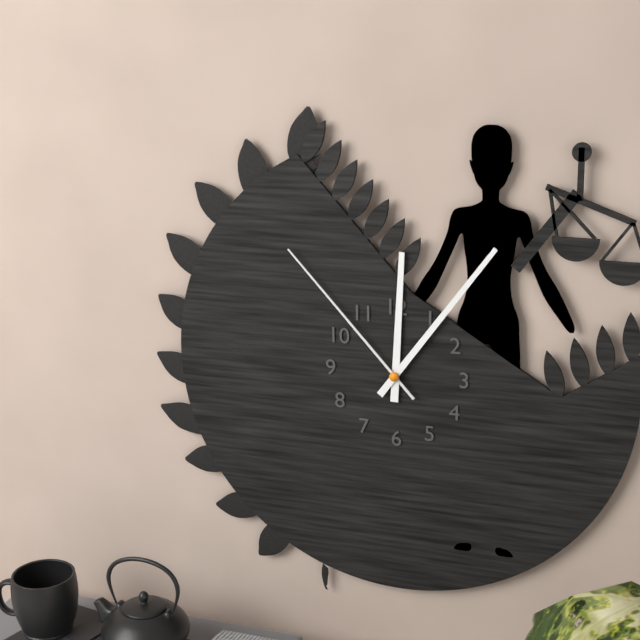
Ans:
12 h 06 min 53 s
